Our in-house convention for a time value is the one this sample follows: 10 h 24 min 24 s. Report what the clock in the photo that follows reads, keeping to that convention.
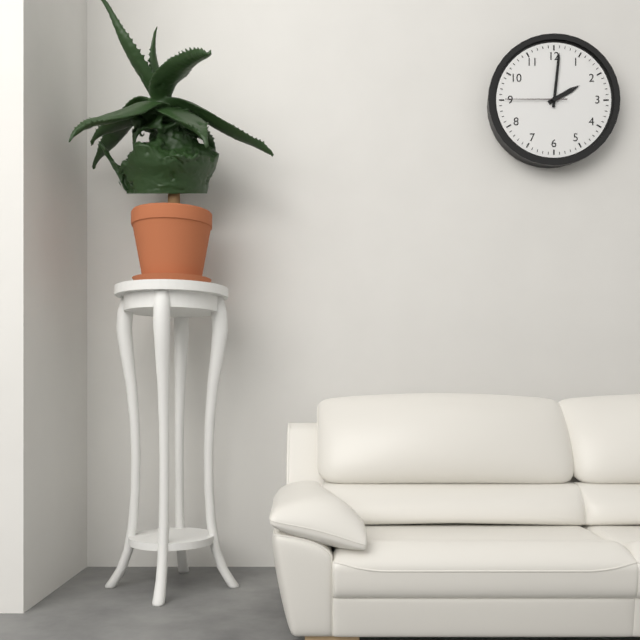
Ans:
2 h 01 min 45 s
